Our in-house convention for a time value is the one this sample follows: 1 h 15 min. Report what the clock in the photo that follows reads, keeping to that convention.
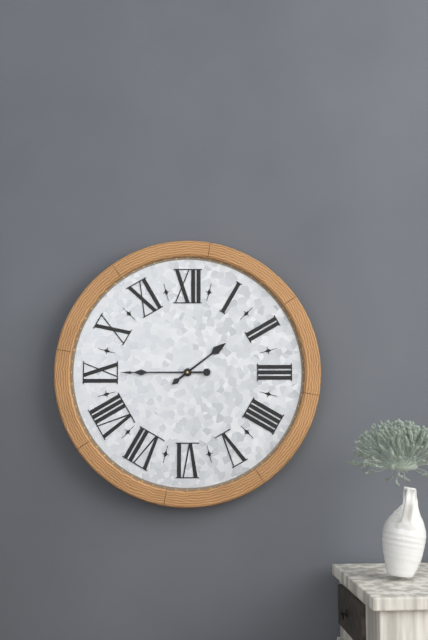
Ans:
1 h 45 min
